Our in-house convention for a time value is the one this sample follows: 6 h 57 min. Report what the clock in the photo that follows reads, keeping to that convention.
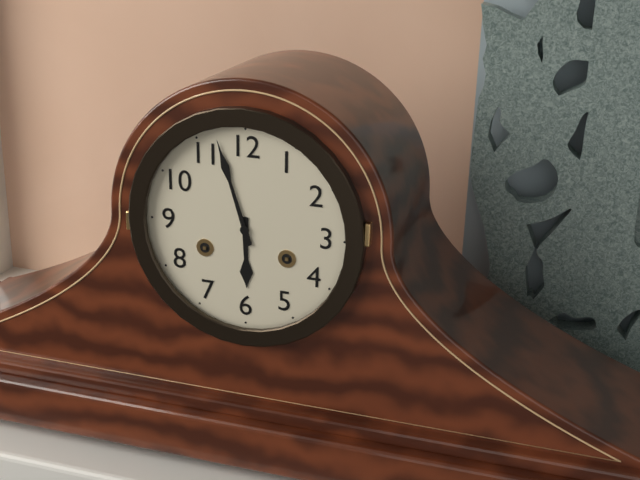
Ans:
5 h 57 min
